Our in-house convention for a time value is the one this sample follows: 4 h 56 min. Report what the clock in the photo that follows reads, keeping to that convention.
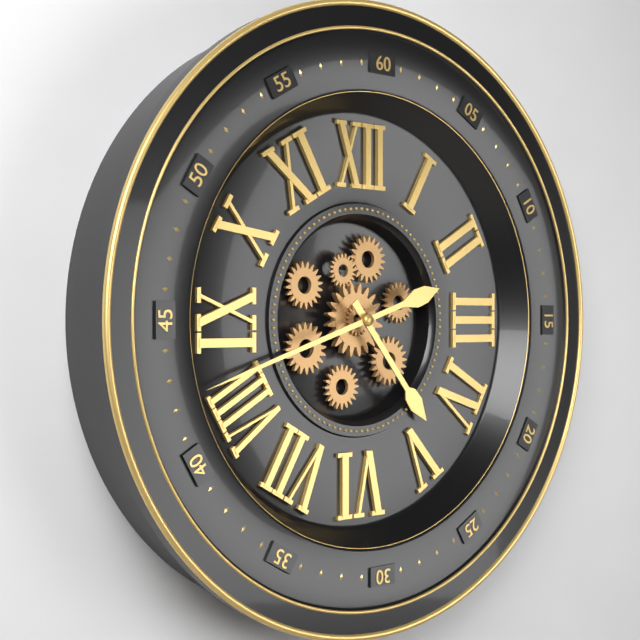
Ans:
4 h 42 min
